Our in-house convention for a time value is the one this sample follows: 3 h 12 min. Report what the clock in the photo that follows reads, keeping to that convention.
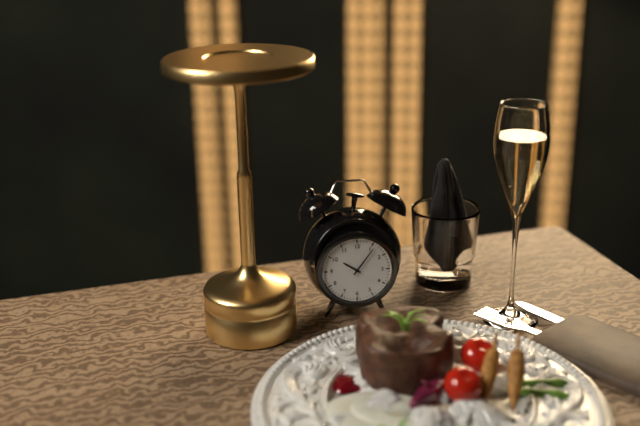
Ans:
10 h 06 min
